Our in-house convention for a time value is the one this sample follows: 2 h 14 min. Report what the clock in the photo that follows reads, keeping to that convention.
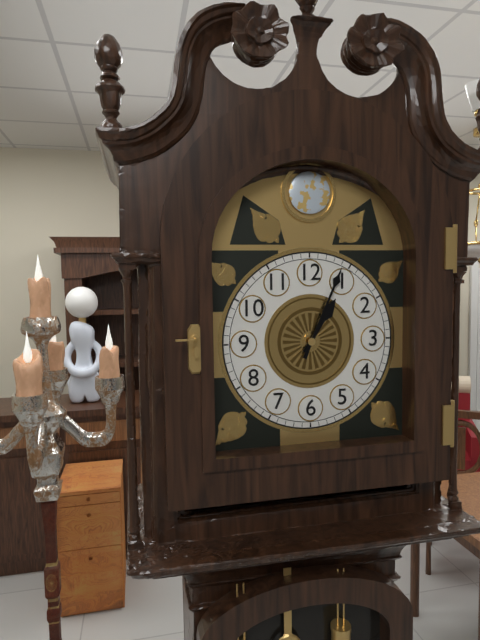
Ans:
1 h 04 min
